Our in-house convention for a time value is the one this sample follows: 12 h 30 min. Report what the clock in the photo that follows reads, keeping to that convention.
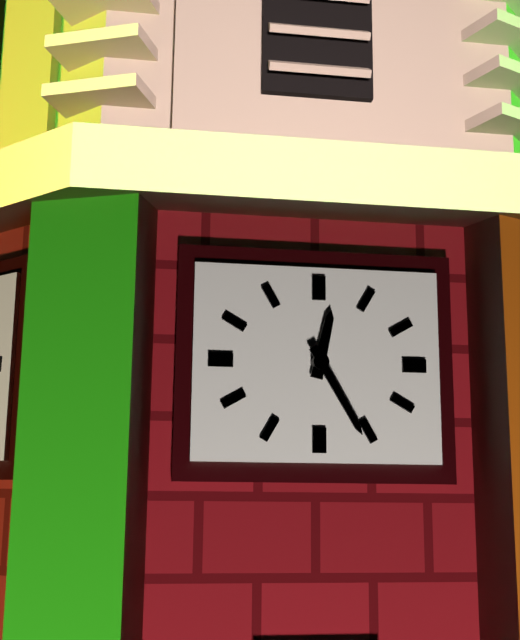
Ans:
12 h 25 min
